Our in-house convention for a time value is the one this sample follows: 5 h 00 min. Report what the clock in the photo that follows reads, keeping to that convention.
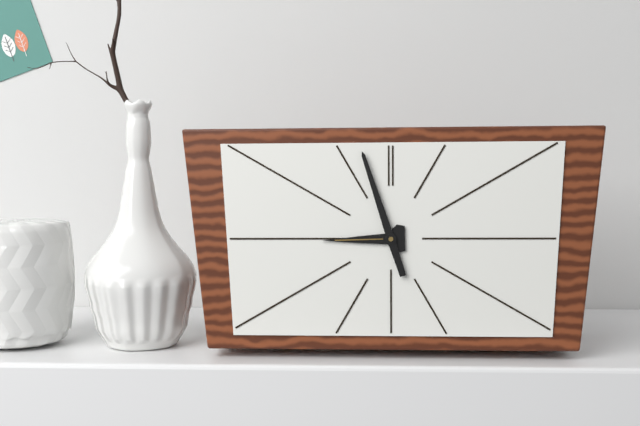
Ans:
8 h 57 min
